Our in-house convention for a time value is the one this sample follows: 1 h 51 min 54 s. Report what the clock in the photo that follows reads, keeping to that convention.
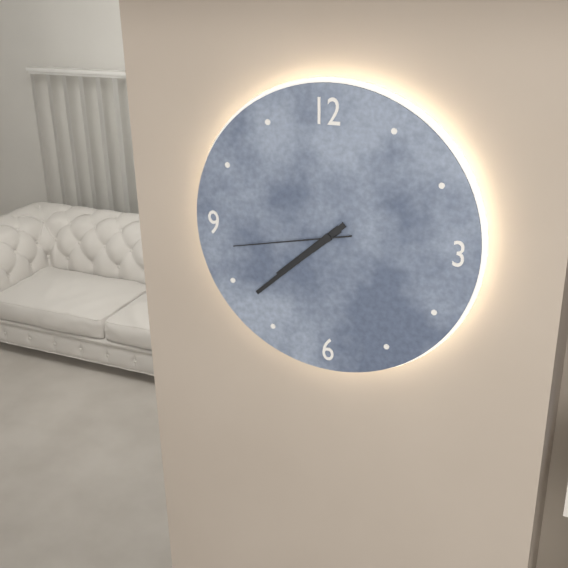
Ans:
7 h 38 min 43 s
